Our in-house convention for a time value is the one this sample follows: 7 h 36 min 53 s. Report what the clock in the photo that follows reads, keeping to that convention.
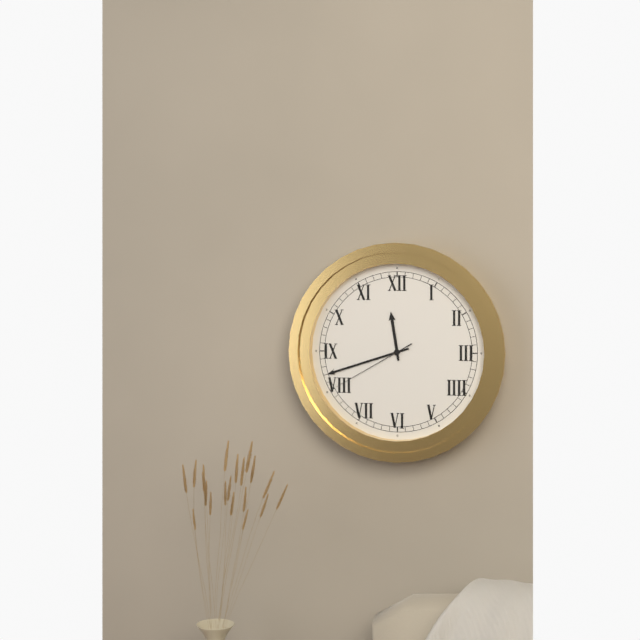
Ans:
11 h 42 min 40 s
